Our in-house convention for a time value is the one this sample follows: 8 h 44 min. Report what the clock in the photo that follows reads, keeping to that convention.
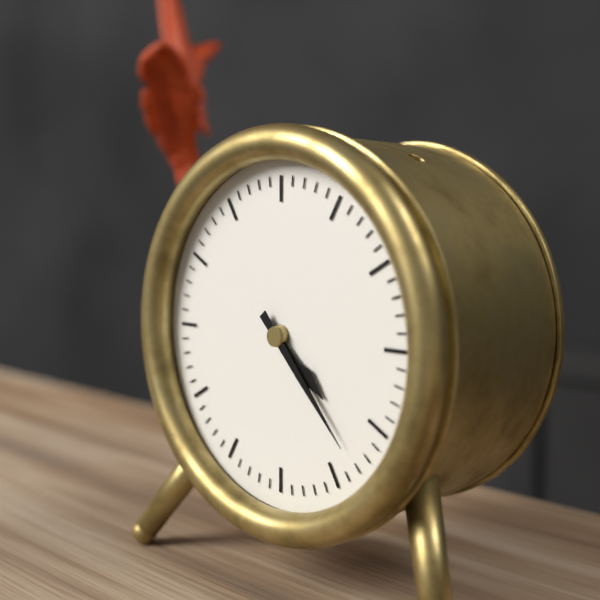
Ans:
4 h 23 min
